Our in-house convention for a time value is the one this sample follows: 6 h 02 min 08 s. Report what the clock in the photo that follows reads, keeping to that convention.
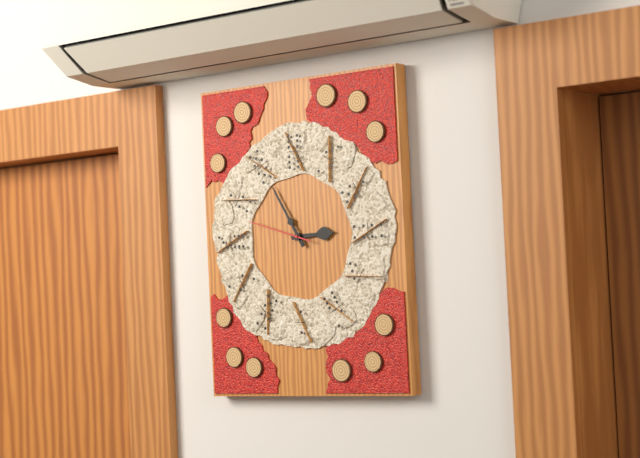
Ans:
2 h 55 min 48 s
